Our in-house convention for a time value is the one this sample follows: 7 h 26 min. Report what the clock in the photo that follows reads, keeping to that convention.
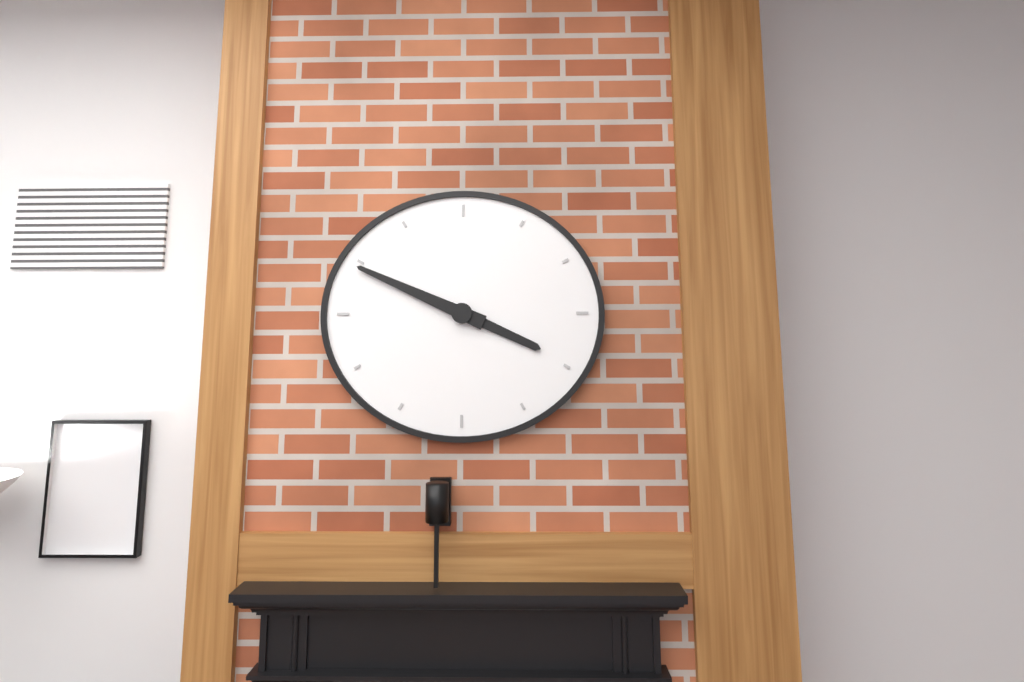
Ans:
3 h 49 min
